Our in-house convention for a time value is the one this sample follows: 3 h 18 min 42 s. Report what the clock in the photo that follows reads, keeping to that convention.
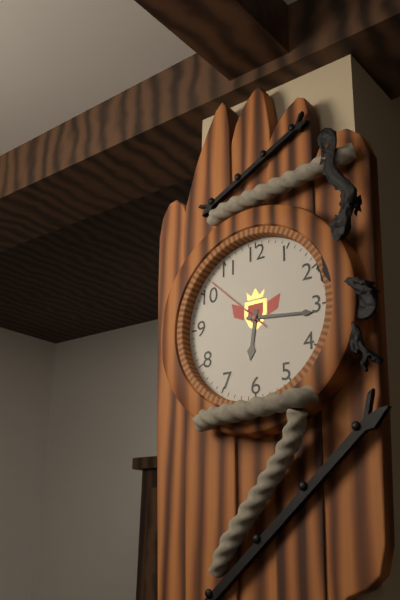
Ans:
6 h 16 min 52 s
